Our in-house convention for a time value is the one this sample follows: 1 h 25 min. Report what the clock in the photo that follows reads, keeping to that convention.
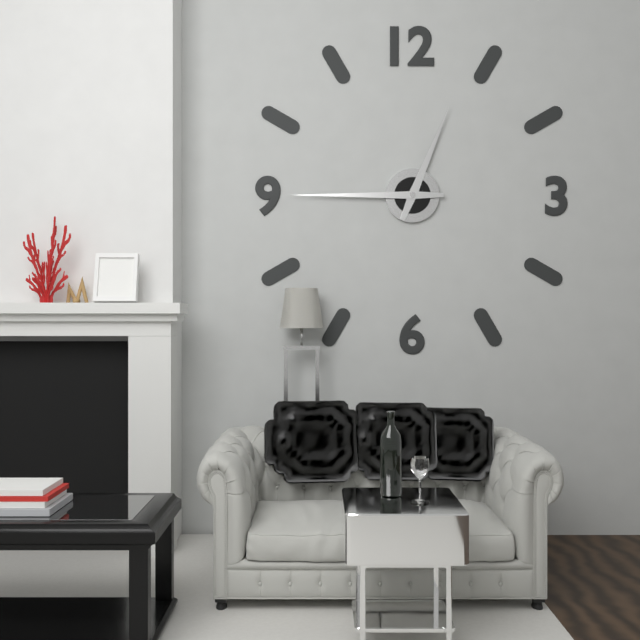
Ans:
12 h 45 min
